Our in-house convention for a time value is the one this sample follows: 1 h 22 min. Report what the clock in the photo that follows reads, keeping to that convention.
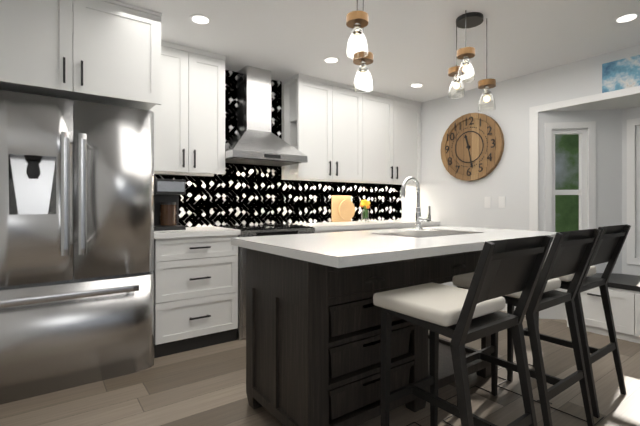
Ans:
11 h 28 min
